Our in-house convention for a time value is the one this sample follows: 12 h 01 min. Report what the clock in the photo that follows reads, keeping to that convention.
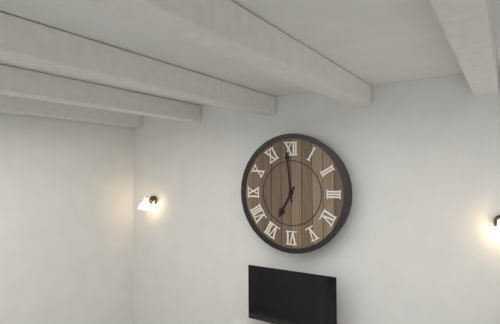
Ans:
6 h 59 min
